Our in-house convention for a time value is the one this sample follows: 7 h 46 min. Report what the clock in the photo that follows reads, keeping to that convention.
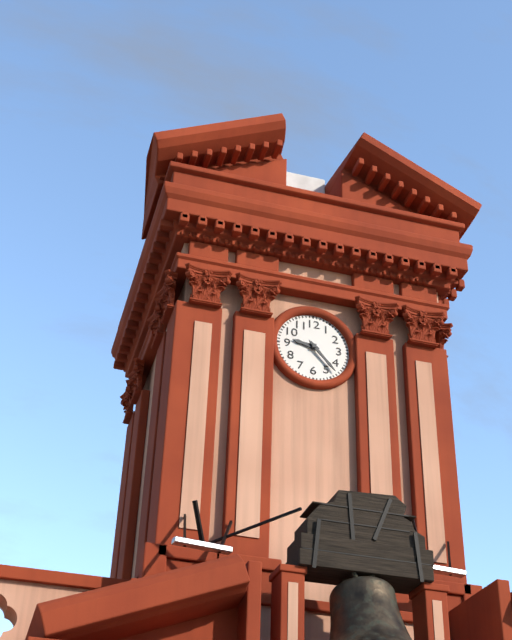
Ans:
9 h 23 min
